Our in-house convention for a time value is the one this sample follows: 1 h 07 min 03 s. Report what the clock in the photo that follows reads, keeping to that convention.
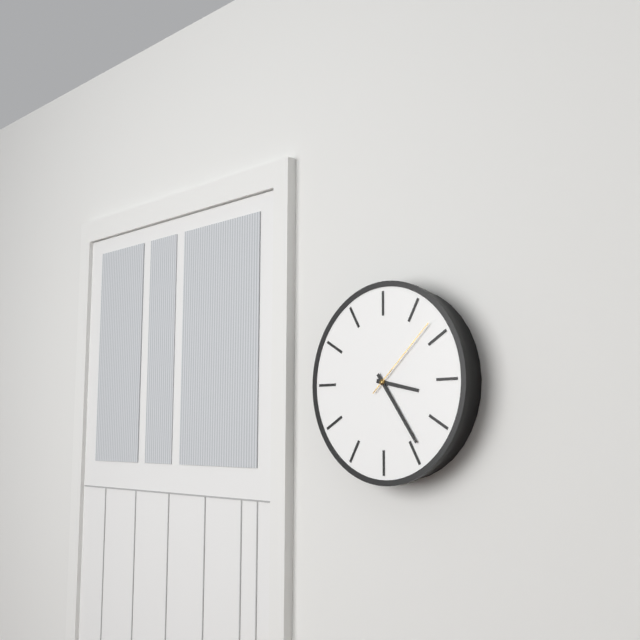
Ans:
3 h 24 min 08 s
